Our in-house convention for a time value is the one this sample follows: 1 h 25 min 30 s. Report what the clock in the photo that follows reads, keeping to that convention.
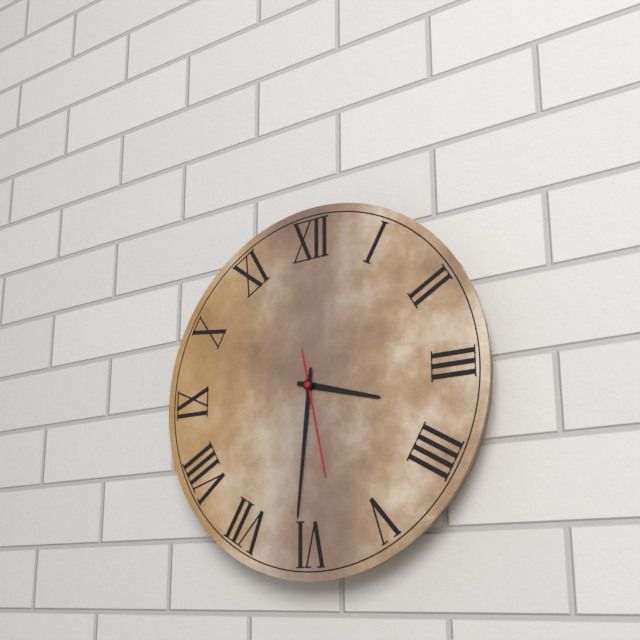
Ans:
3 h 31 min 28 s
